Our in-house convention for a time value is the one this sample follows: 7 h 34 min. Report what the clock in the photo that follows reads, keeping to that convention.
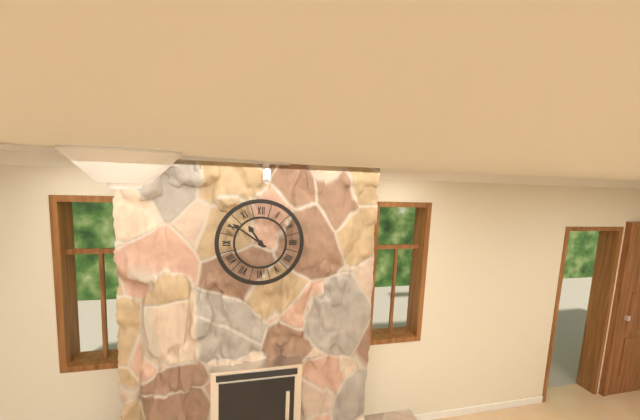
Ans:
10 h 51 min
